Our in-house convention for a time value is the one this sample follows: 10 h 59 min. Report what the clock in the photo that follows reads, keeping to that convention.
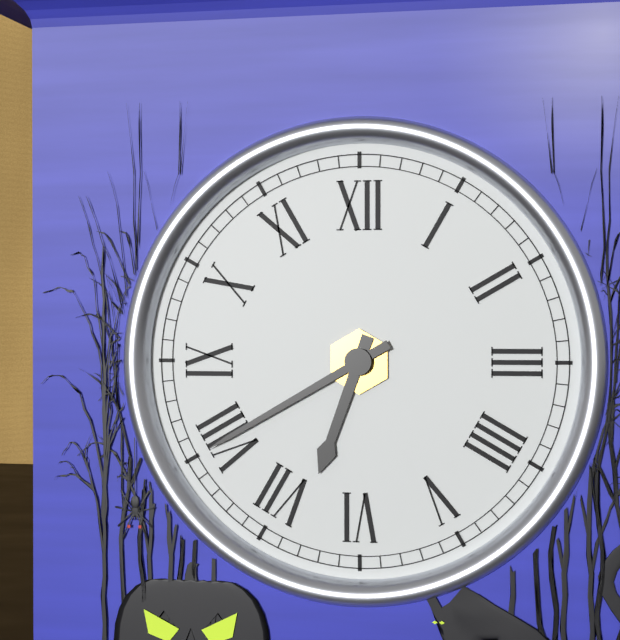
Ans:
6 h 40 min
